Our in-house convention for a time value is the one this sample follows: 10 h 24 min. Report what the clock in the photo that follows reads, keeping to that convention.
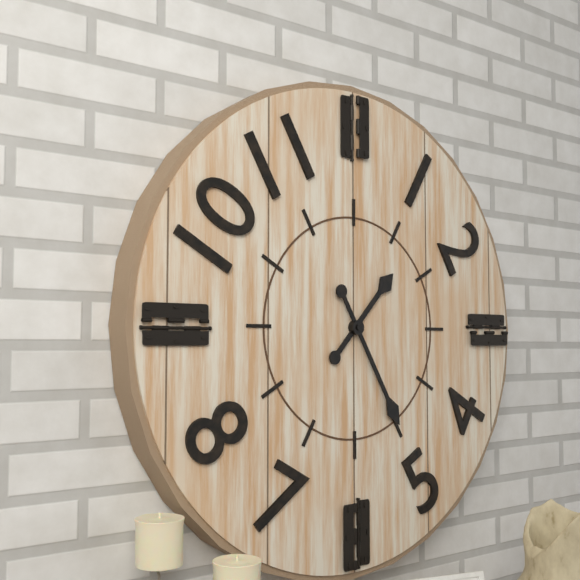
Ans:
1 h 25 min
